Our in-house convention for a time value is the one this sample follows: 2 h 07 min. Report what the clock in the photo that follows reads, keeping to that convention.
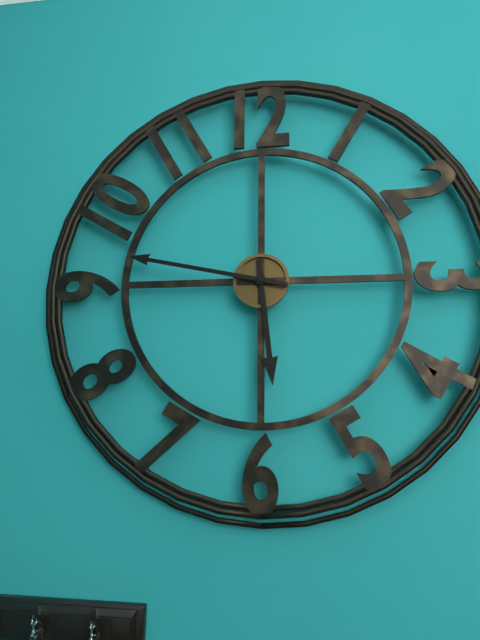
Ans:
5 h 47 min
